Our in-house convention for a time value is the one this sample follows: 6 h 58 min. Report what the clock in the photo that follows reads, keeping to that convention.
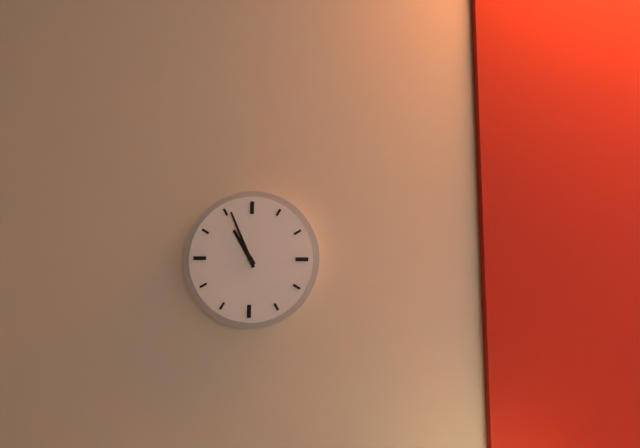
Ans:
10 h 56 min
